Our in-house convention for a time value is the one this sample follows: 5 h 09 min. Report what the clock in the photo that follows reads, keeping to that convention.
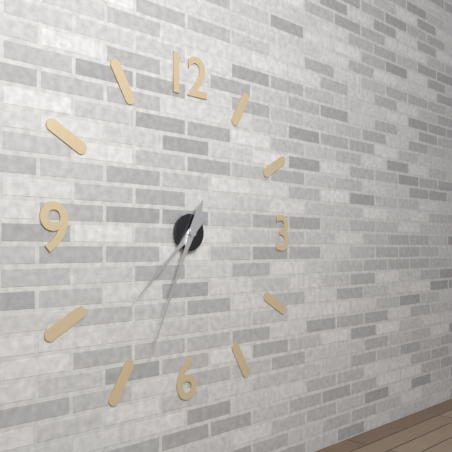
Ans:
7 h 34 min
